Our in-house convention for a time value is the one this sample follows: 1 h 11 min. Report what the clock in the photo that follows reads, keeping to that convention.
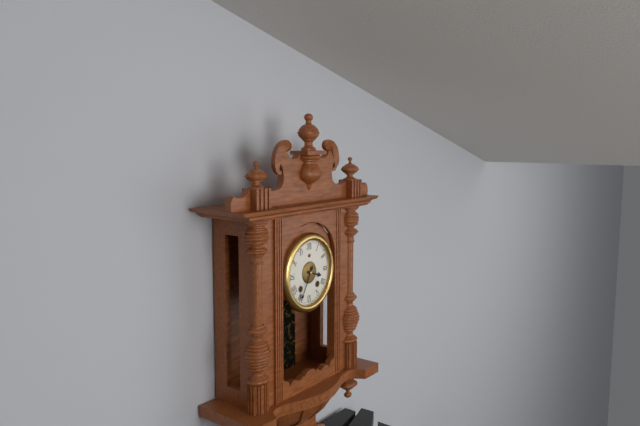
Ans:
3 h 35 min
